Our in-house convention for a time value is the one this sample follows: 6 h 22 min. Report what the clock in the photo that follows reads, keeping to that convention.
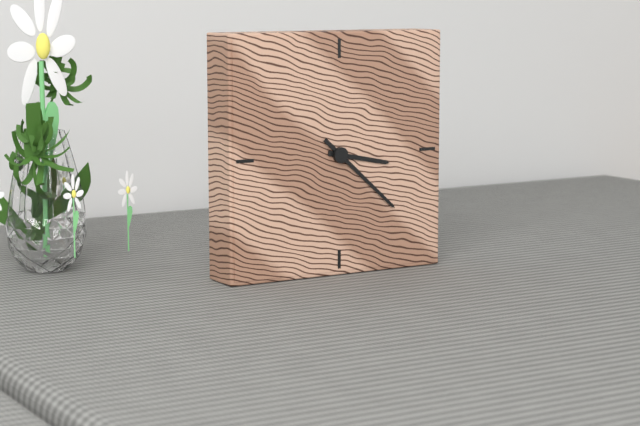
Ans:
3 h 22 min
